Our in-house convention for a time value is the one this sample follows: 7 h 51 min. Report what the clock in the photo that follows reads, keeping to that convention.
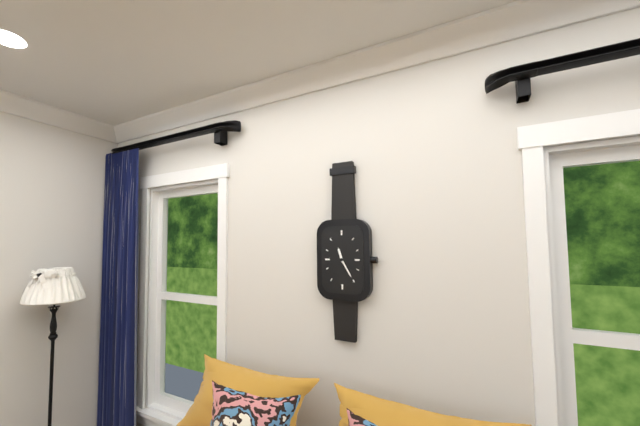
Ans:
11 h 25 min
